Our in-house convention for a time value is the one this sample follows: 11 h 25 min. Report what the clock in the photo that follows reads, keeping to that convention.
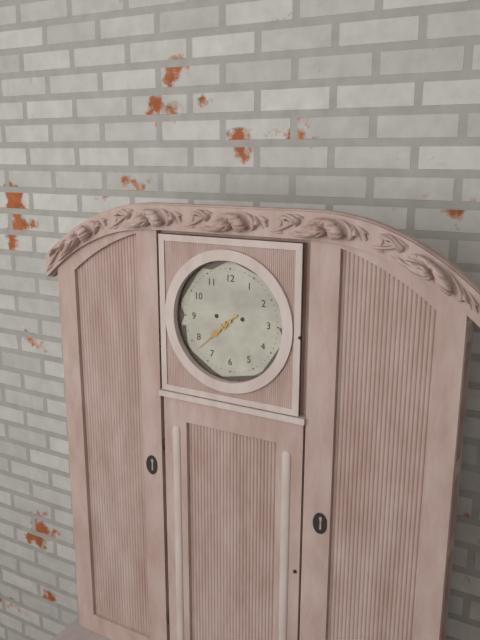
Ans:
7 h 38 min
